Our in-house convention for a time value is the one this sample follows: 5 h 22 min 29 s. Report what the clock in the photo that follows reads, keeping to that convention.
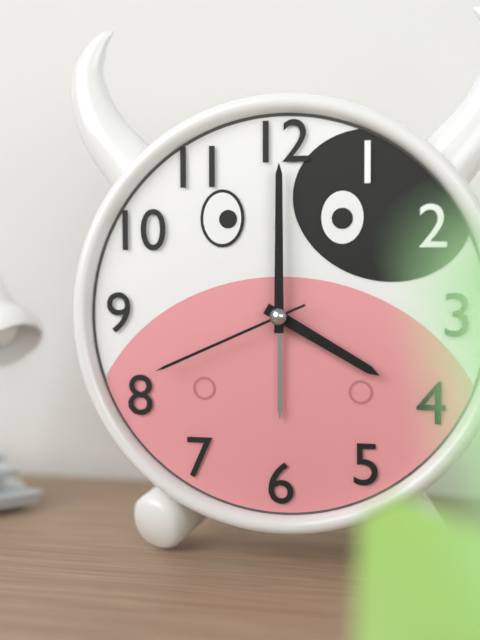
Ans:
4 h 00 min 41 s
